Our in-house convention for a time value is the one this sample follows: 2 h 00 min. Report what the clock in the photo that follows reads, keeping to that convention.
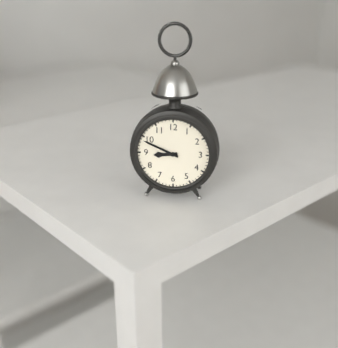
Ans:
8 h 49 min
